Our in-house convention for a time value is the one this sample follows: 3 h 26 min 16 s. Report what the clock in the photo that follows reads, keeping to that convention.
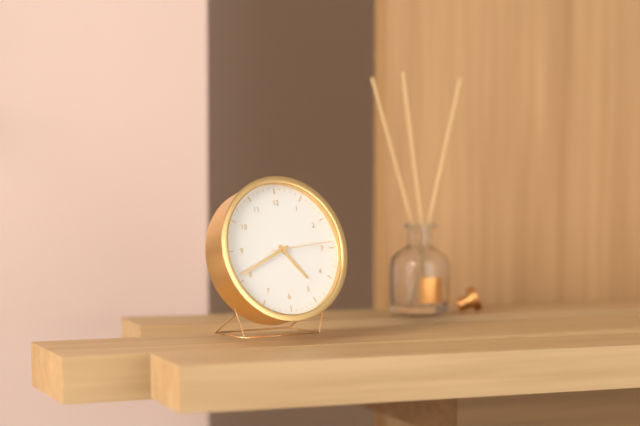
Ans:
4 h 41 min 14 s
